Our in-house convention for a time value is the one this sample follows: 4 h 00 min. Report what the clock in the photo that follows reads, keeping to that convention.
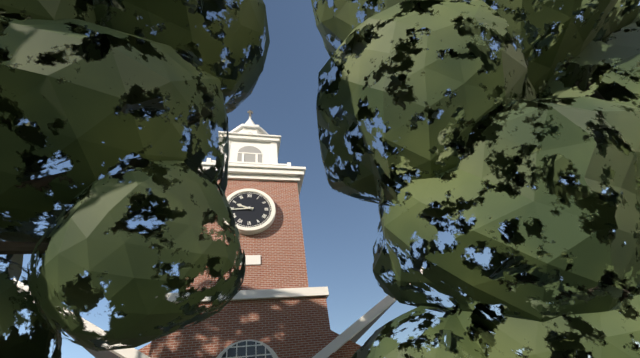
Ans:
9 h 44 min
